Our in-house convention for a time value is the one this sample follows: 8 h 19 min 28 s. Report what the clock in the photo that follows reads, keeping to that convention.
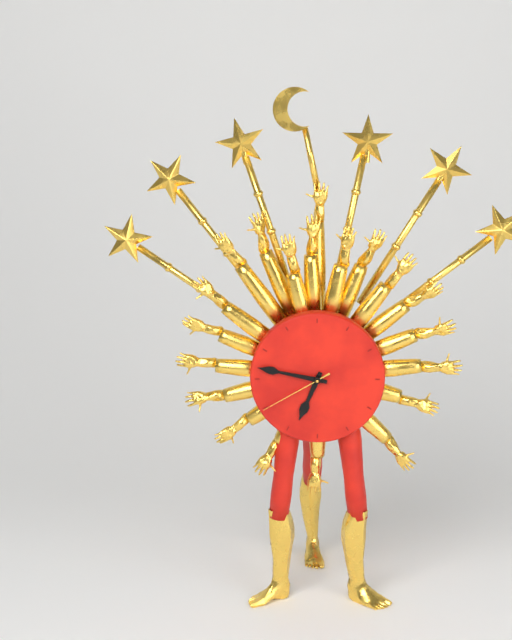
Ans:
6 h 47 min 40 s
